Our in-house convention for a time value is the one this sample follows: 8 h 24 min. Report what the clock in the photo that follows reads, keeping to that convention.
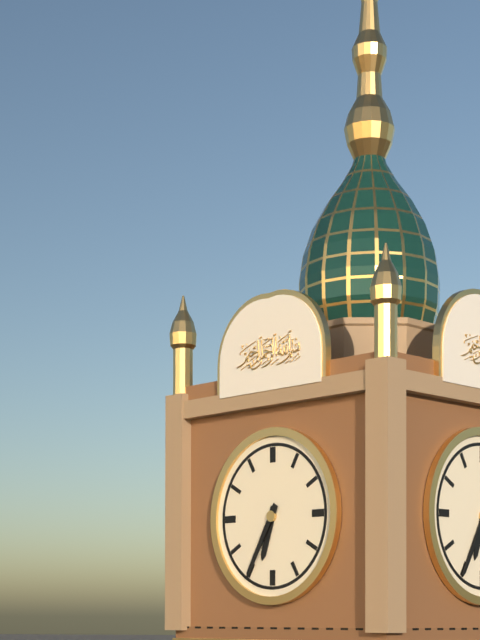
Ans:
6 h 35 min
